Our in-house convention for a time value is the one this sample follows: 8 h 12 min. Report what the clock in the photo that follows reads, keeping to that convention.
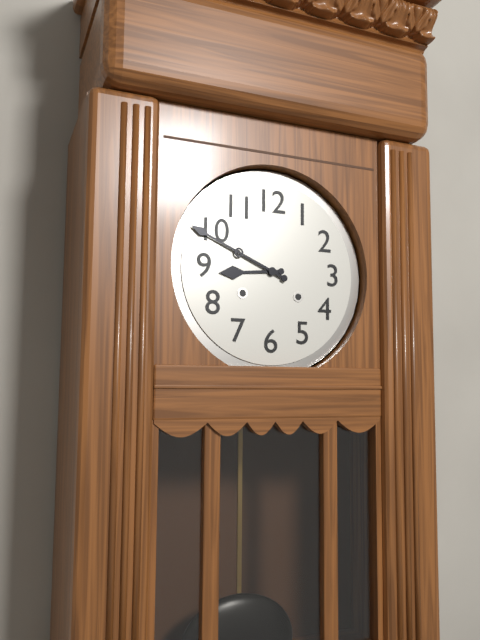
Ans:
8 h 49 min
